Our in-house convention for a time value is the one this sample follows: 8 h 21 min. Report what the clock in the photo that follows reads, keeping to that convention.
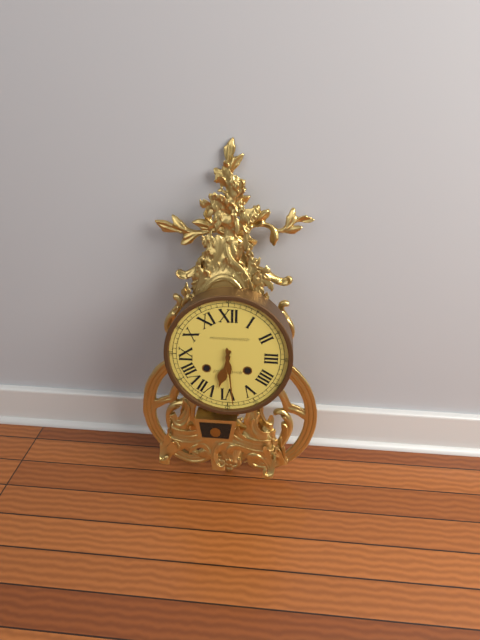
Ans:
6 h 29 min
